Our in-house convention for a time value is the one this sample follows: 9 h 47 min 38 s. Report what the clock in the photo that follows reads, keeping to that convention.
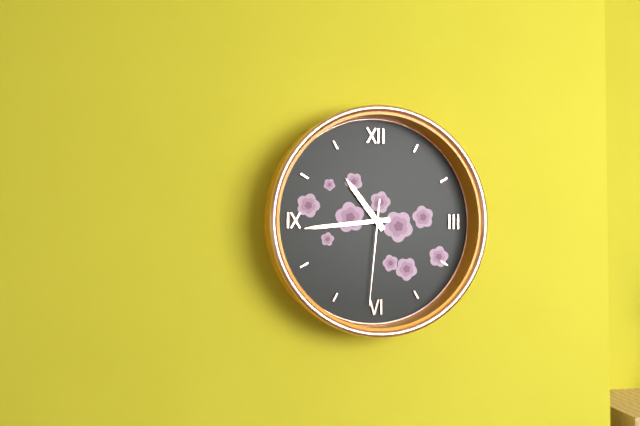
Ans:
10 h 44 min 31 s
